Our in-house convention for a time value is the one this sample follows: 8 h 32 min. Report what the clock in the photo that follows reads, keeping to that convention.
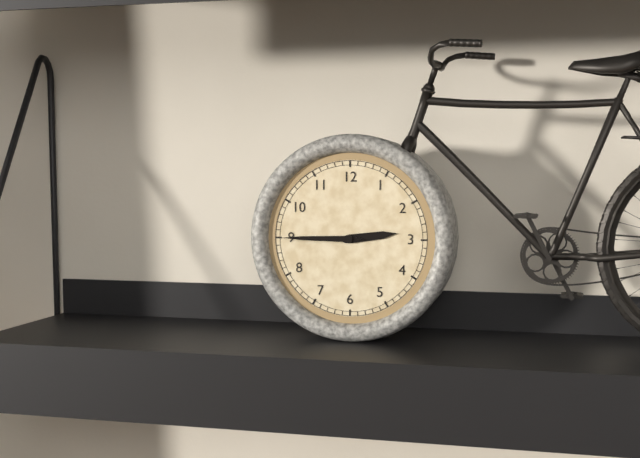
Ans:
2 h 45 min
